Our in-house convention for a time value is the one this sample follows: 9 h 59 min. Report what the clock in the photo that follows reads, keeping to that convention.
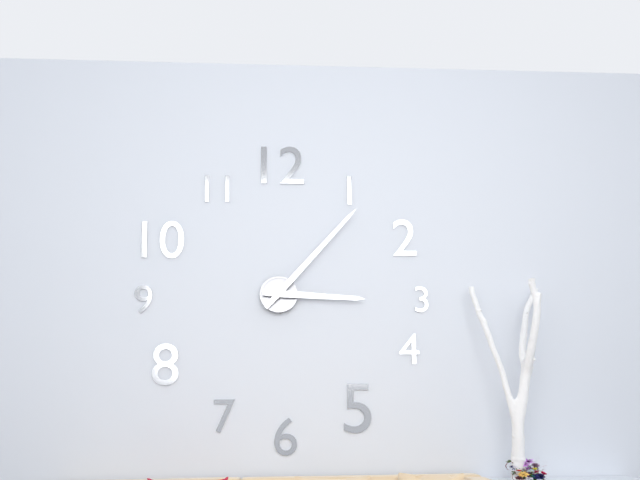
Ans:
3 h 07 min
